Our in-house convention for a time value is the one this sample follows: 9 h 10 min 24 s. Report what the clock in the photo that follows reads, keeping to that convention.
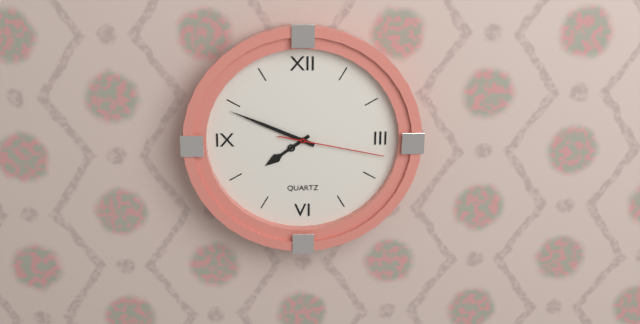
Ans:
7 h 49 min 17 s
